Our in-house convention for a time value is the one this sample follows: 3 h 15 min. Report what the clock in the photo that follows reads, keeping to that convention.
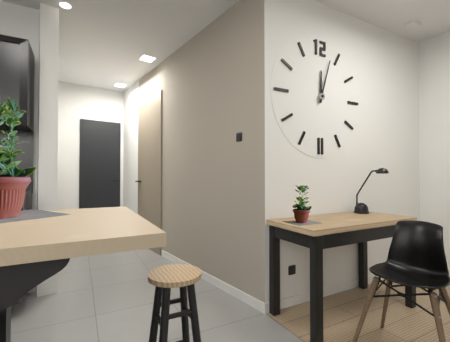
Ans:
12 h 03 min
